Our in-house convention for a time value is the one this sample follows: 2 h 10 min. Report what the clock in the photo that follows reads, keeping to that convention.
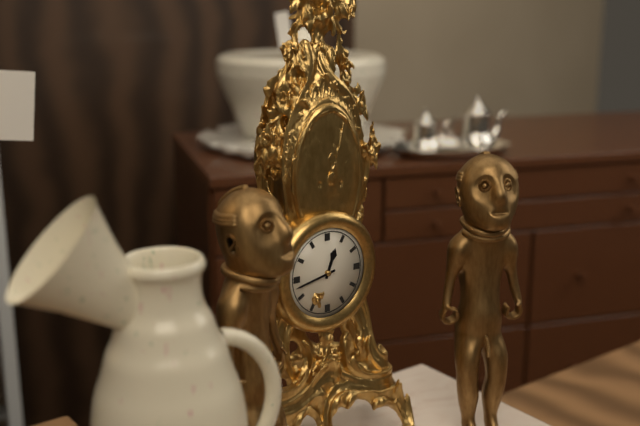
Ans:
12 h 43 min
